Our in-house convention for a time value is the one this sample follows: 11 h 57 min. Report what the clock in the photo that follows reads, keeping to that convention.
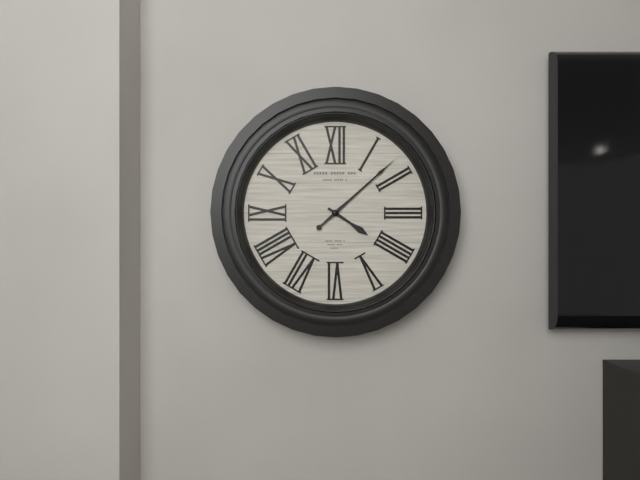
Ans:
4 h 08 min
